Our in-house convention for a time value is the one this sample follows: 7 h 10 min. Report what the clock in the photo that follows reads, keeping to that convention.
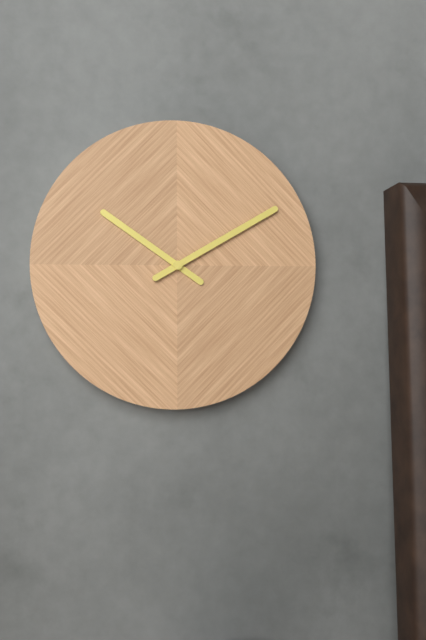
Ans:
10 h 10 min
